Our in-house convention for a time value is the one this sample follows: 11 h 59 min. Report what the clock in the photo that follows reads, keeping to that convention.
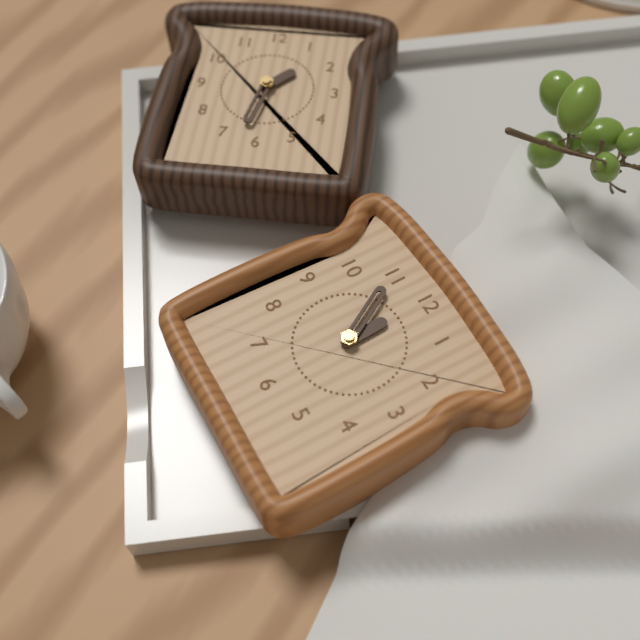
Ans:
11 h 55 min
